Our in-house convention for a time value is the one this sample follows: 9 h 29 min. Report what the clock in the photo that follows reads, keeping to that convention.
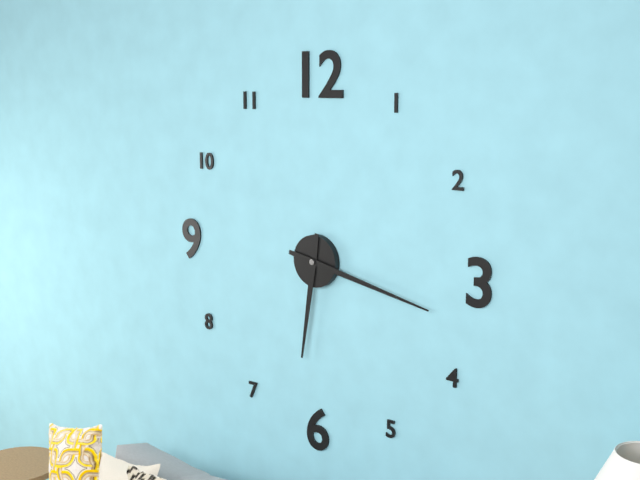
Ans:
6 h 17 min
